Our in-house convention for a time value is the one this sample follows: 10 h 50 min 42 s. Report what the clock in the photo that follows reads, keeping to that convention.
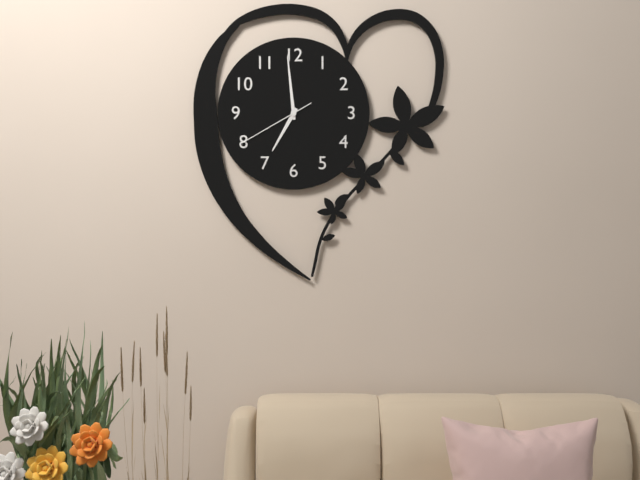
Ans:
6 h 59 min 40 s
